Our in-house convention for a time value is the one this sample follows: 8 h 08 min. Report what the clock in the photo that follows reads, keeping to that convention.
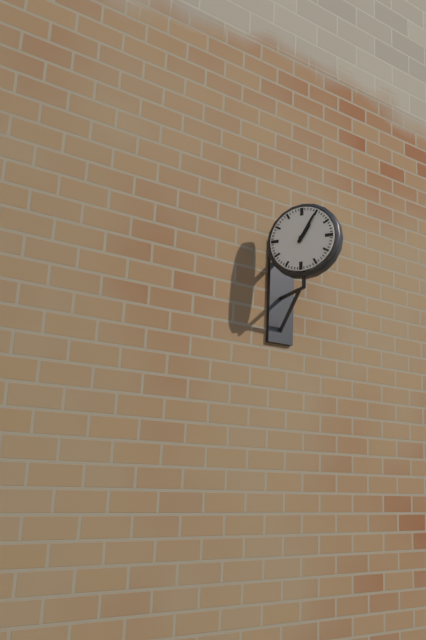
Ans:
1 h 05 min
